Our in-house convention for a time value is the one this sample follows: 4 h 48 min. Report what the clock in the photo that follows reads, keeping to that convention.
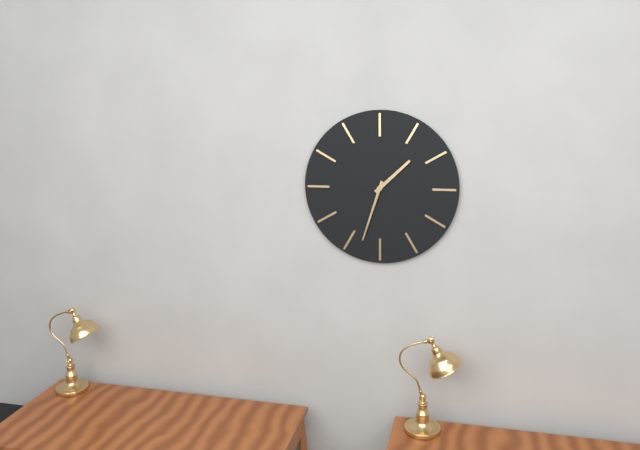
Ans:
1 h 33 min
